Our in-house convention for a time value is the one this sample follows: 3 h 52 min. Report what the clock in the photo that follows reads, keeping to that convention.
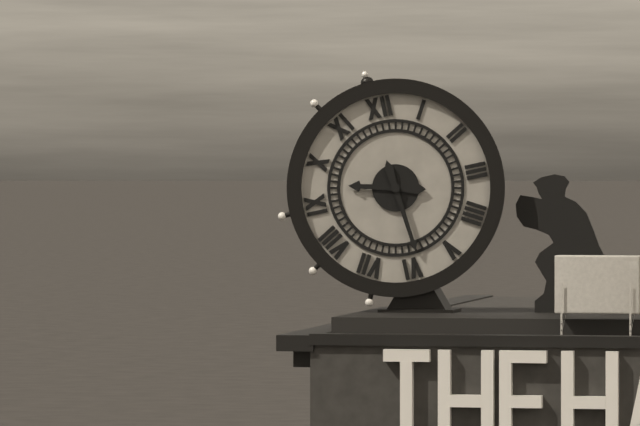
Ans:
9 h 29 min
